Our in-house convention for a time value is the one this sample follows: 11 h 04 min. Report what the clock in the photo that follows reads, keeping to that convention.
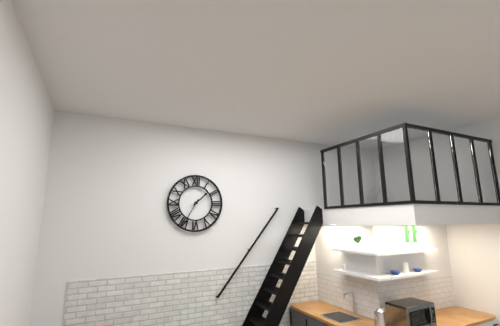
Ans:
1 h 35 min
